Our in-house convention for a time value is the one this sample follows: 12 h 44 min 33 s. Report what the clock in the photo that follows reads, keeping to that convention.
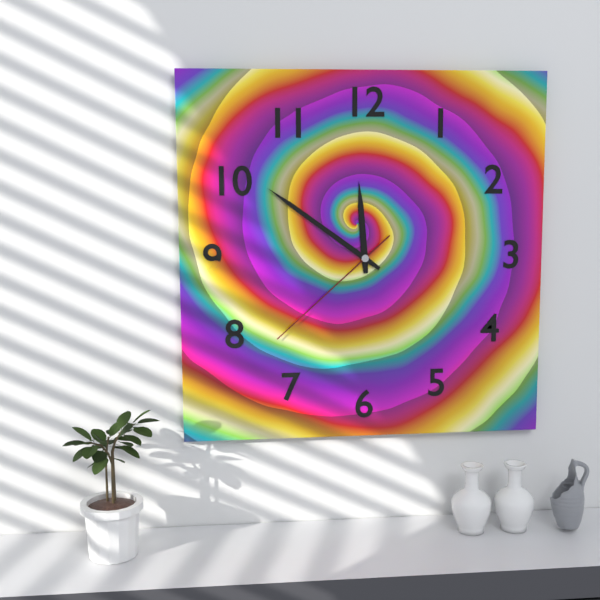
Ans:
11 h 51 min 38 s
